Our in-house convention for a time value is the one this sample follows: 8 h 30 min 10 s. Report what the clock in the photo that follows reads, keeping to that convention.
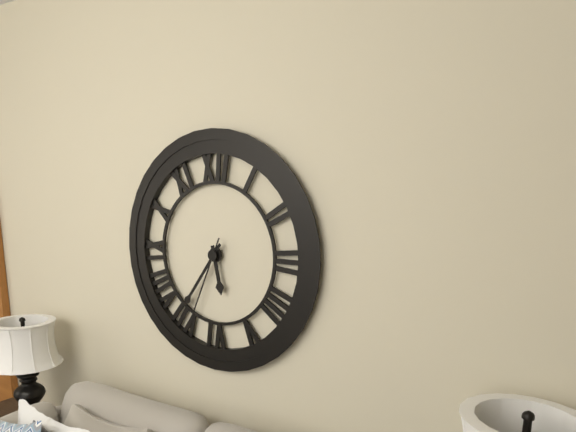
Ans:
5 h 36 min 34 s
